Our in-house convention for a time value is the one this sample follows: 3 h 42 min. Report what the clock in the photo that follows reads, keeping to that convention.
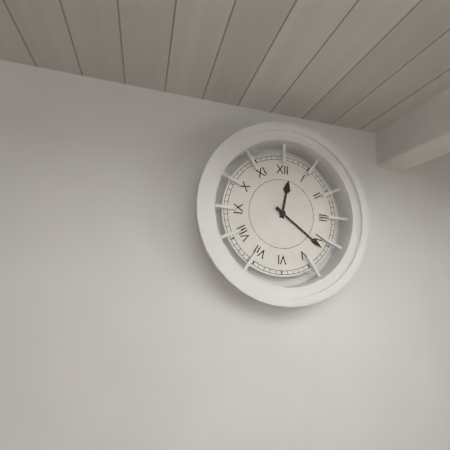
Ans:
12 h 21 min
